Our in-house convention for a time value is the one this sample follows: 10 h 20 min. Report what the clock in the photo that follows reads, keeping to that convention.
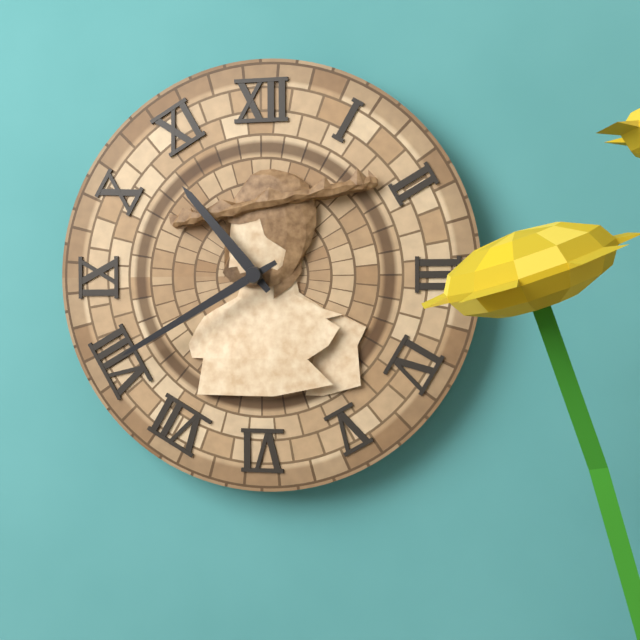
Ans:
10 h 40 min
